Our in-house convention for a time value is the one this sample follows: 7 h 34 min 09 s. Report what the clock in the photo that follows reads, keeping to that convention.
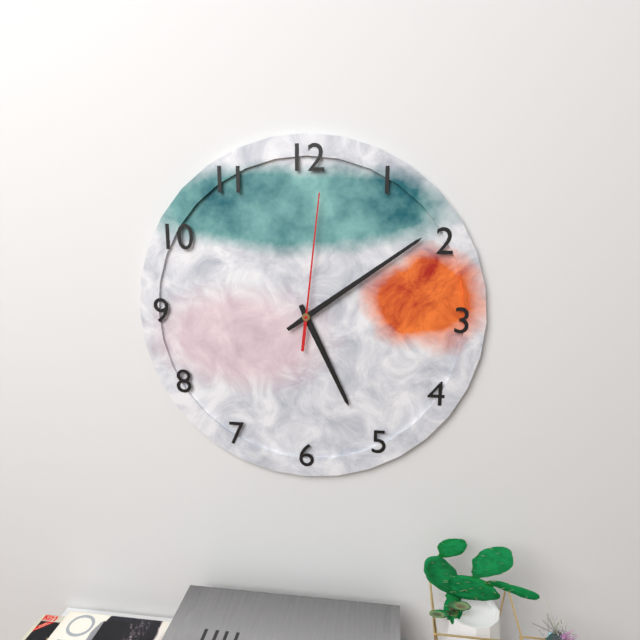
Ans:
5 h 09 min 01 s
